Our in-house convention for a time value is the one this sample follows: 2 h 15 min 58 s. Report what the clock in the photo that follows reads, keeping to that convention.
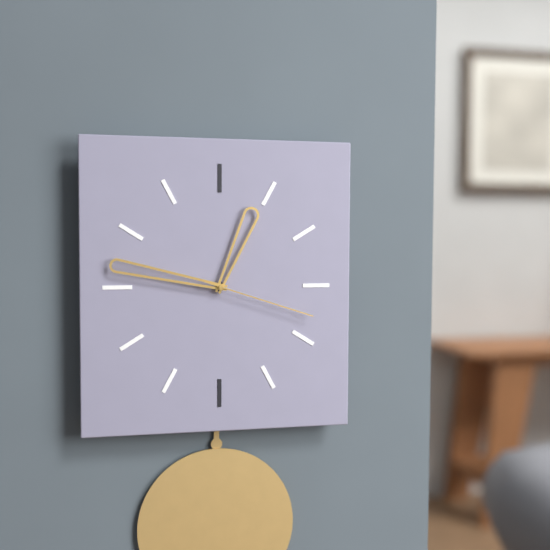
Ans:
12 h 47 min 18 s
